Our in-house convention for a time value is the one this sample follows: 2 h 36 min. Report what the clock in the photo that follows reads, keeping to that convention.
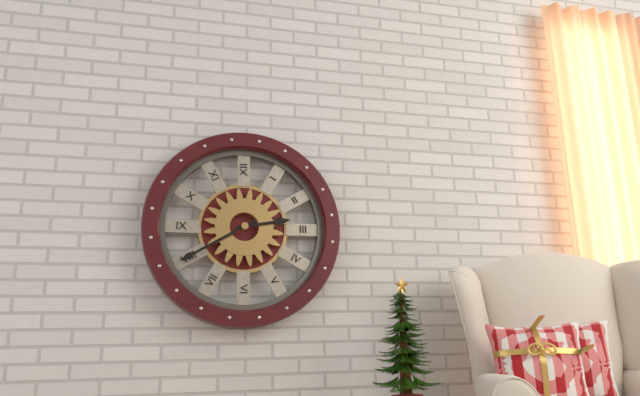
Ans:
2 h 40 min
